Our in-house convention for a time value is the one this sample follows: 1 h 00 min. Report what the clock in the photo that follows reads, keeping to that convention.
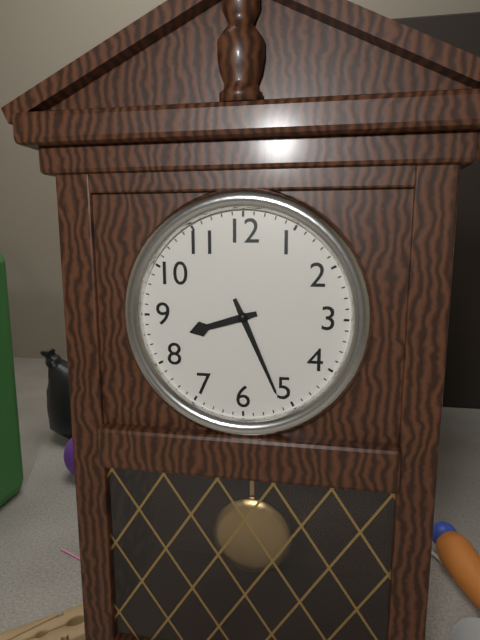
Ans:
8 h 26 min
